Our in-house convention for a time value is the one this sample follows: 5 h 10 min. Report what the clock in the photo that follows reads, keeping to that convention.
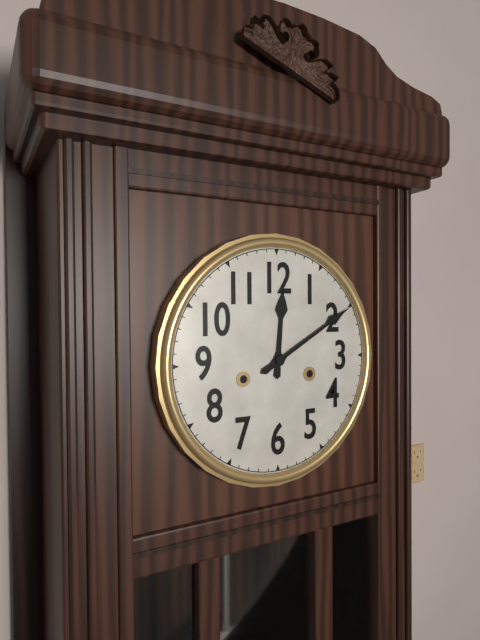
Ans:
12 h 10 min
